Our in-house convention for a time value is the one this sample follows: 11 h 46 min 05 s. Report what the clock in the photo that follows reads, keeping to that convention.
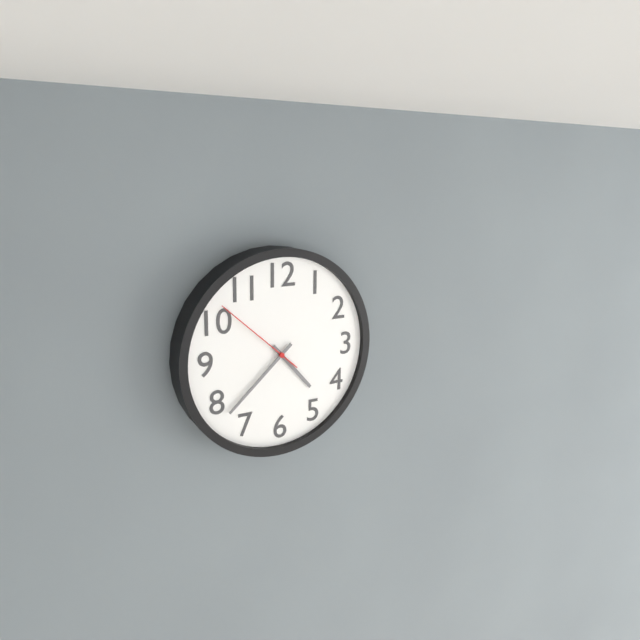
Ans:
4 h 38 min 52 s
